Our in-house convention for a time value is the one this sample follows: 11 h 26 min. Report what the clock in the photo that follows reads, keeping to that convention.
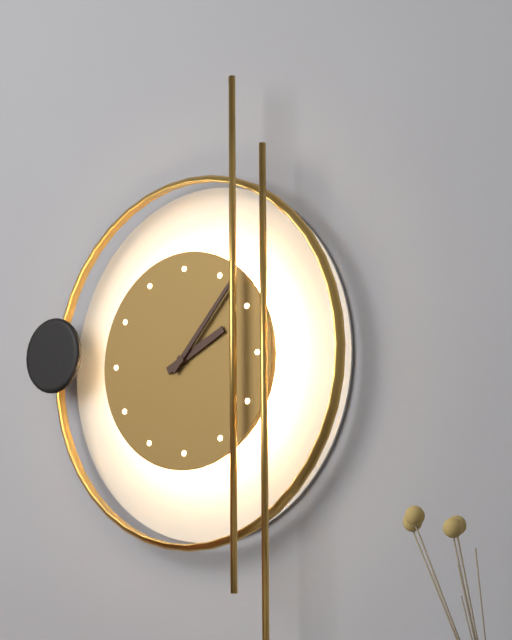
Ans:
2 h 07 min
